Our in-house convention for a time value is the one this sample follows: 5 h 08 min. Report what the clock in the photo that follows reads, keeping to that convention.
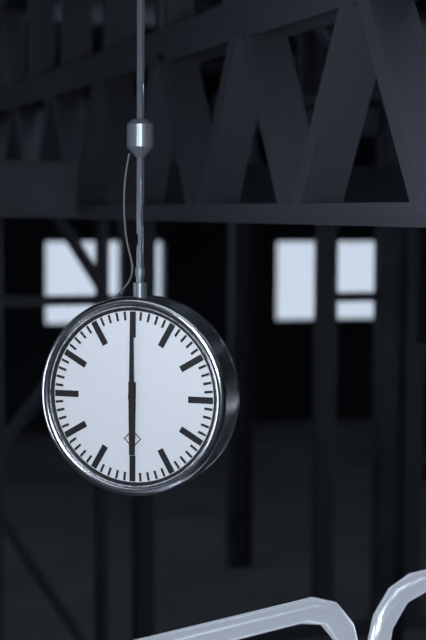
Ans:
6 h 00 min
